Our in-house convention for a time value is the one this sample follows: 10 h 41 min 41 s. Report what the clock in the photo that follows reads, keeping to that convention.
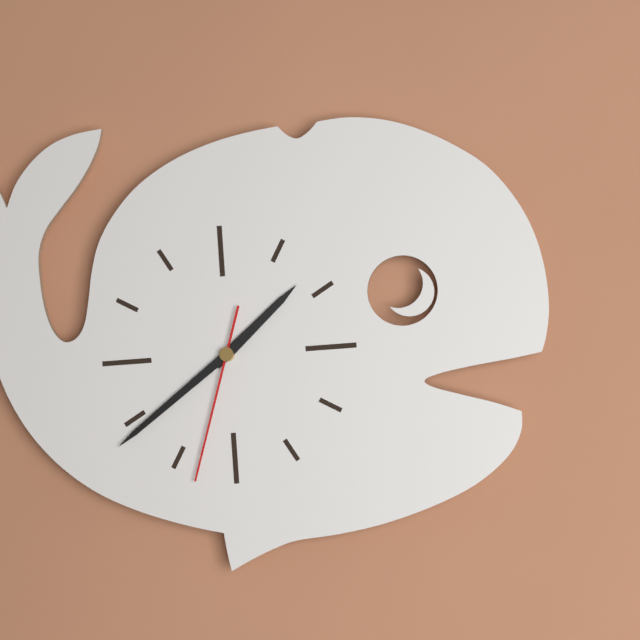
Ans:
1 h 39 min 33 s
